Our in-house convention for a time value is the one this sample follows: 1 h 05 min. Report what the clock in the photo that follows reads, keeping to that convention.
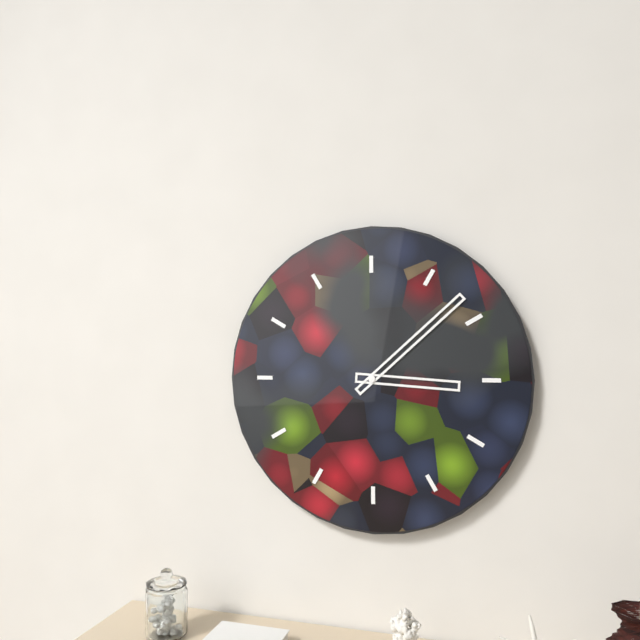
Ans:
3 h 08 min
